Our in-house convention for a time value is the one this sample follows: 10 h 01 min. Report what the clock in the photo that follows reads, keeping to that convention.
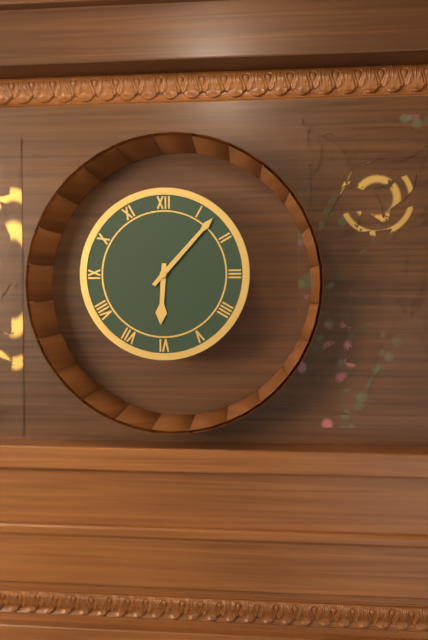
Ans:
6 h 07 min
